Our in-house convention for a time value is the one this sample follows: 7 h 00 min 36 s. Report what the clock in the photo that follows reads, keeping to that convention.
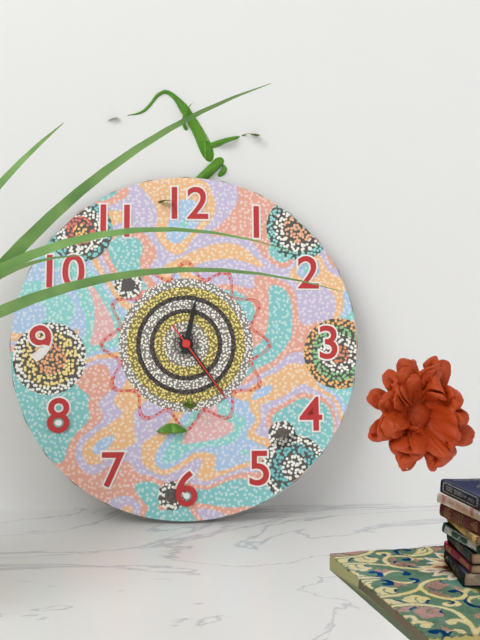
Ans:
12 h 24 min 24 s
